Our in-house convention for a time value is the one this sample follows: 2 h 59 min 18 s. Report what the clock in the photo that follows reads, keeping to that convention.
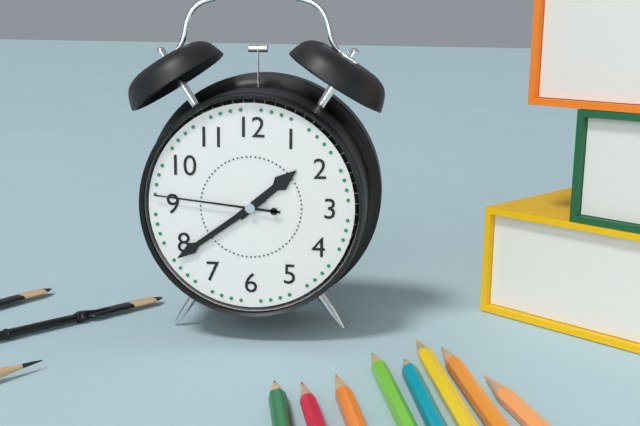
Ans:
1 h 39 min 46 s
